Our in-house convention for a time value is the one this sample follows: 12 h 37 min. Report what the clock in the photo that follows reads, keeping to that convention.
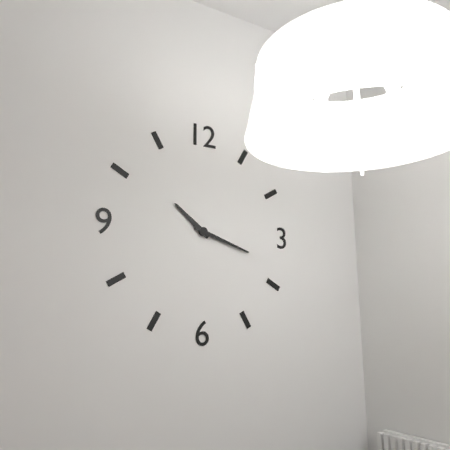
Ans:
10 h 18 min
